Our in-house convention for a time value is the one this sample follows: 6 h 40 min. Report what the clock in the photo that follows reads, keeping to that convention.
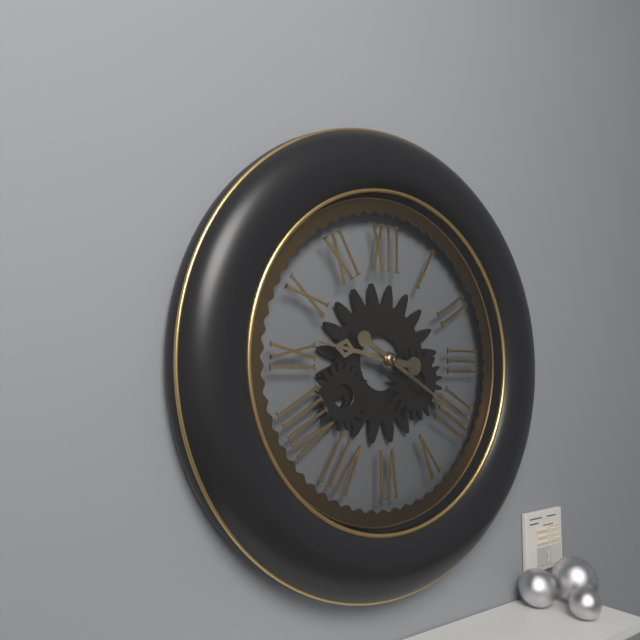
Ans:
9 h 20 min
